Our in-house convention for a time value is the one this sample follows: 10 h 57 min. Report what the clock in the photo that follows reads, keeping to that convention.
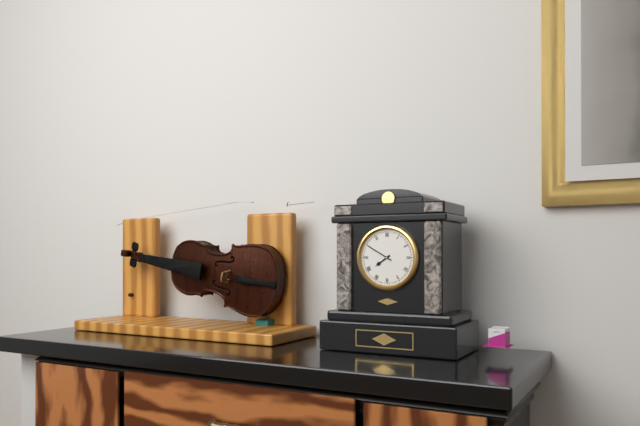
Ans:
7 h 50 min
